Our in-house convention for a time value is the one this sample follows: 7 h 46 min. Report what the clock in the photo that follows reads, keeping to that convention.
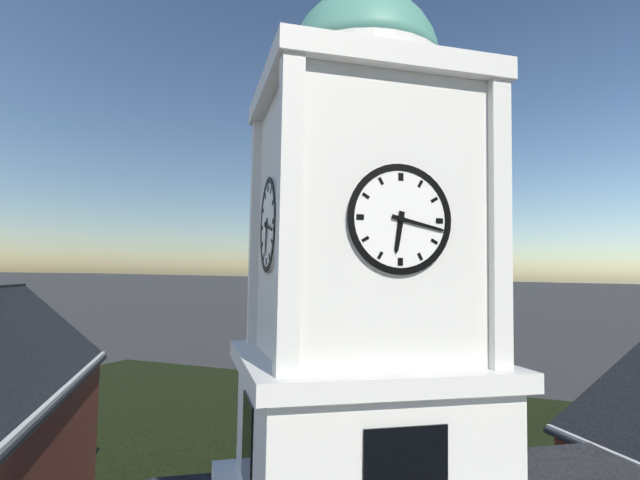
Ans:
6 h 17 min
